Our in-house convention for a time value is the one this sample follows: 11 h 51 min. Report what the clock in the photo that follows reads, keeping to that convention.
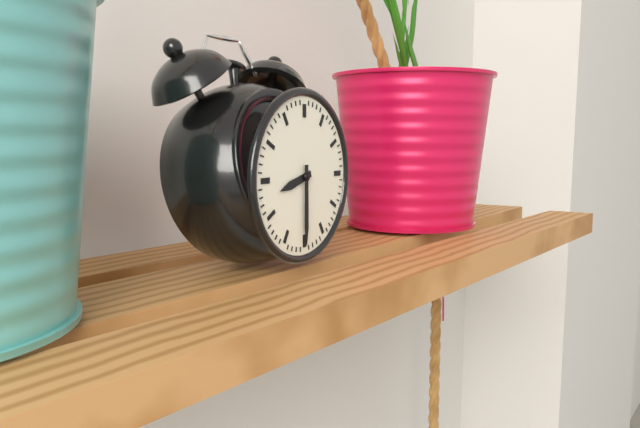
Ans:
8 h 30 min
